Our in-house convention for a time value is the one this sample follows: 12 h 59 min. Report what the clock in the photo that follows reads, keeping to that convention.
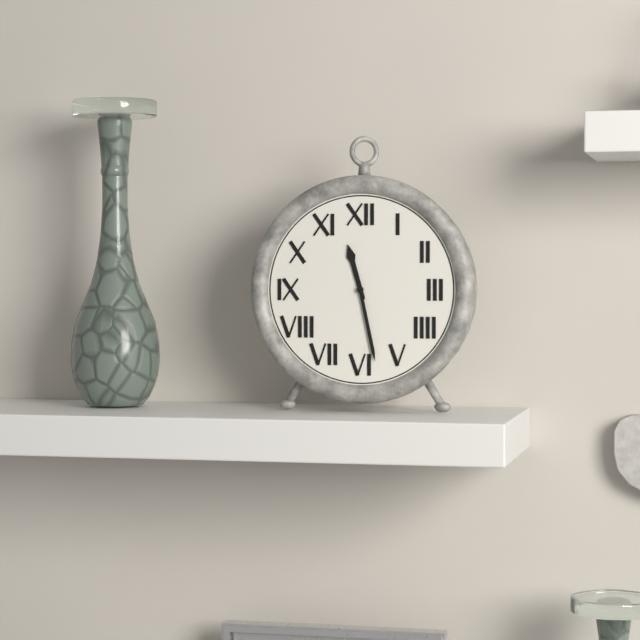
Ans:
11 h 28 min
